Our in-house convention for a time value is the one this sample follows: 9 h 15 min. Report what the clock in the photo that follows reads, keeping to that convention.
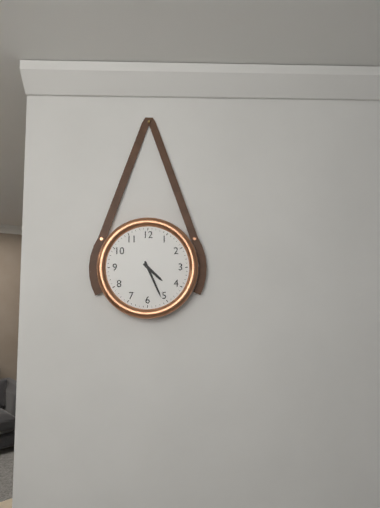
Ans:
4 h 26 min
